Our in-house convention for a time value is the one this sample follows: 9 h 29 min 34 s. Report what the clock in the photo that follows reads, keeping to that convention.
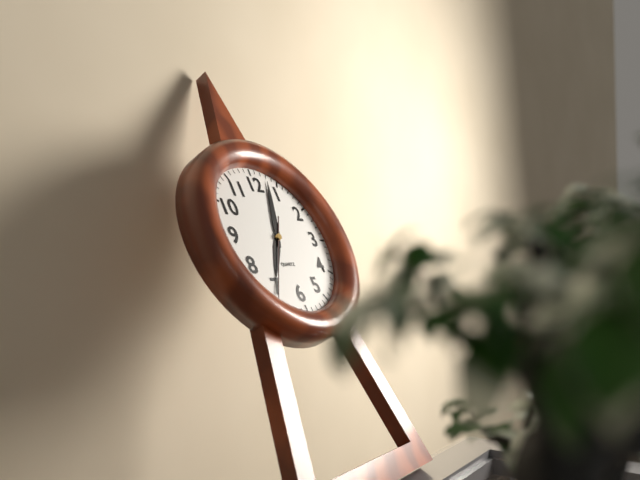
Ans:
7 h 03 min 35 s
